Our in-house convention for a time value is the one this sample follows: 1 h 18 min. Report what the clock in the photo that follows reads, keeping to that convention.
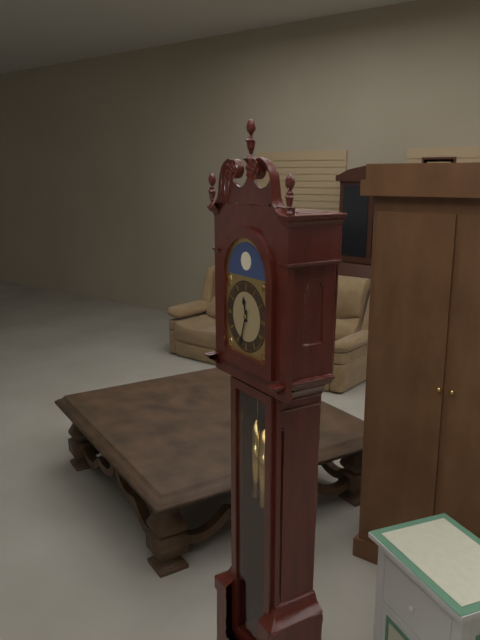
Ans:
11 h 33 min
